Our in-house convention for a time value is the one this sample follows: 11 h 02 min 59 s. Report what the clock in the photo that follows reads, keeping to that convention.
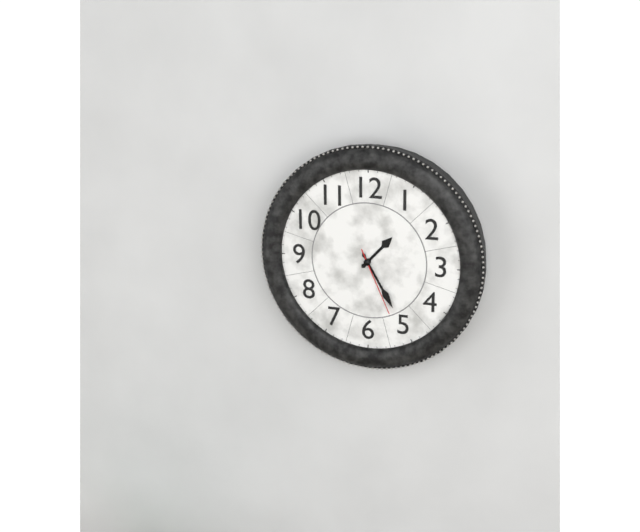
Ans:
1 h 25 min 26 s
